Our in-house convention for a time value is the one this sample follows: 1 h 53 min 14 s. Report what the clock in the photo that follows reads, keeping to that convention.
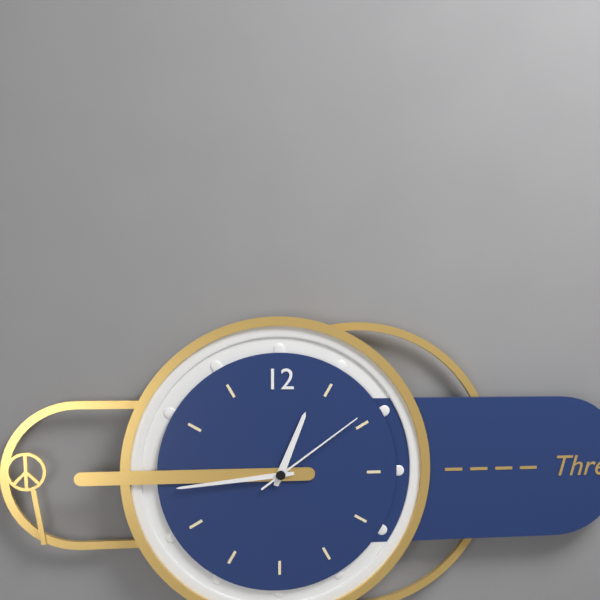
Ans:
12 h 44 min 09 s
